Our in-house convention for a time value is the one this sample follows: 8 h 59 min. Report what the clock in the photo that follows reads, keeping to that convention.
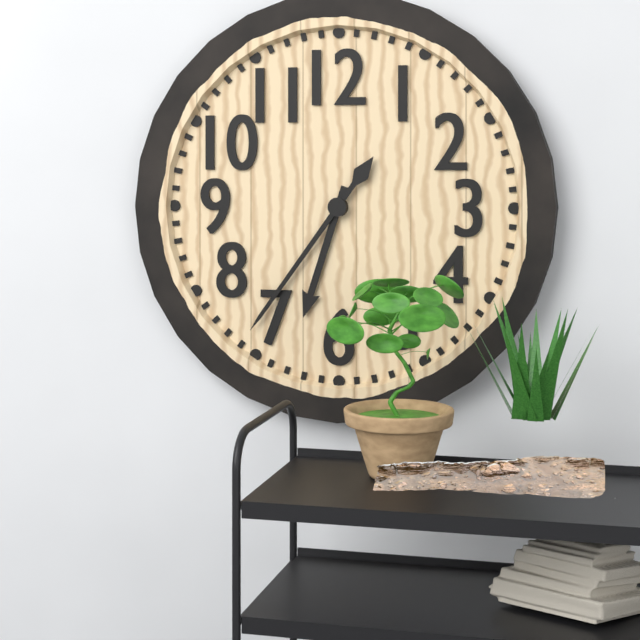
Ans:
6 h 36 min
